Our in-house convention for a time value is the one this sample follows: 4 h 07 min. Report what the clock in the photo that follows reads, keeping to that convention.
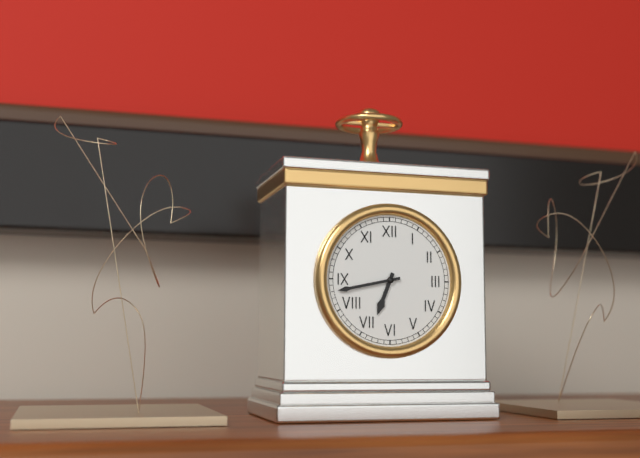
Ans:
6 h 43 min
